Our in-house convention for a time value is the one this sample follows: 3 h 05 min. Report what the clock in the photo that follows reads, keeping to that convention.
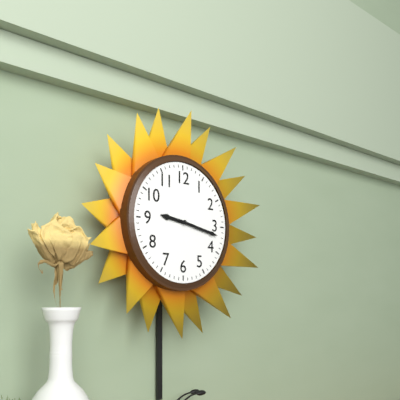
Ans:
9 h 17 min
